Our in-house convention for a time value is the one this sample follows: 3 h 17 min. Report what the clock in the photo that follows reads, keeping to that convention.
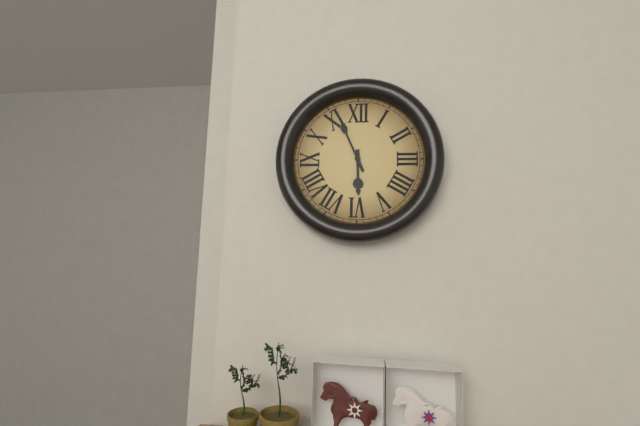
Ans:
5 h 56 min
